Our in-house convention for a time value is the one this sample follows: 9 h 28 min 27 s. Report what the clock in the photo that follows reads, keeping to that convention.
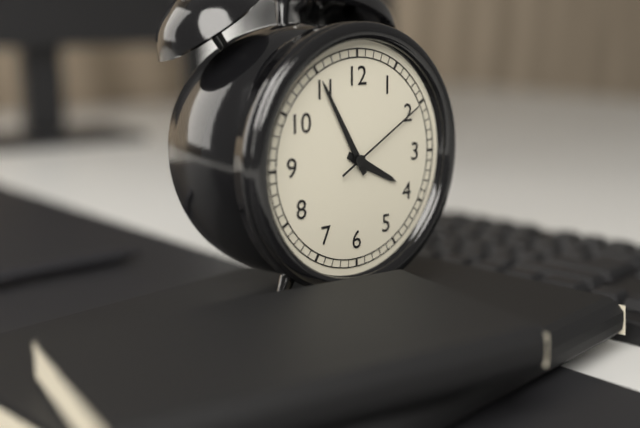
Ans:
3 h 55 min 10 s
